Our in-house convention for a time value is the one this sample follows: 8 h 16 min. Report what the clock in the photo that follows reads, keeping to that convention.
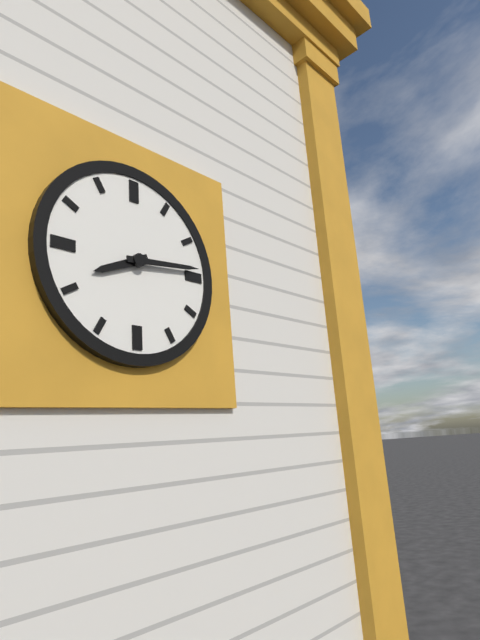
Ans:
8 h 14 min
